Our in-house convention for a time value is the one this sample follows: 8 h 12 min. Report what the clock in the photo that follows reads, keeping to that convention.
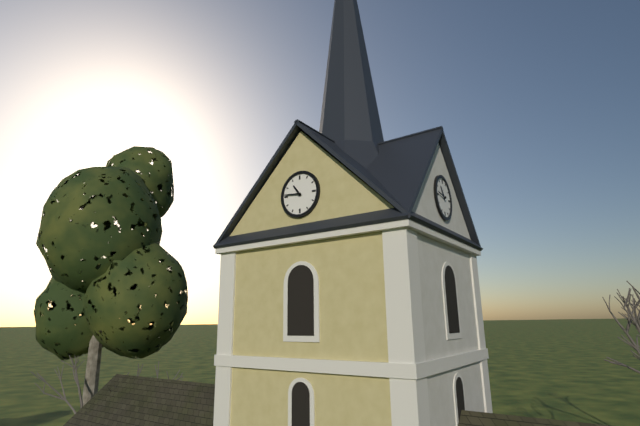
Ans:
10 h 46 min
